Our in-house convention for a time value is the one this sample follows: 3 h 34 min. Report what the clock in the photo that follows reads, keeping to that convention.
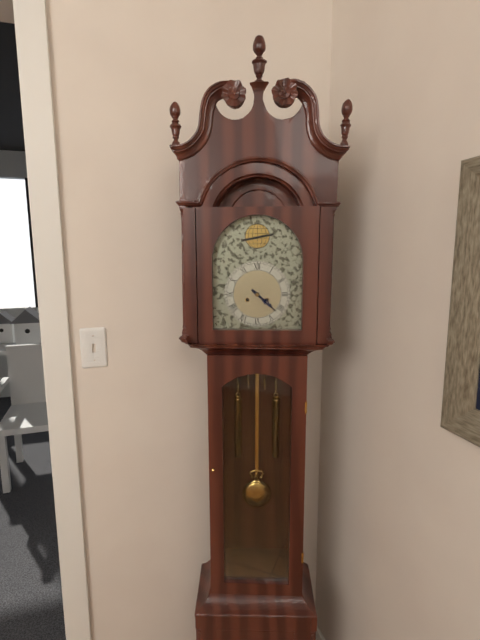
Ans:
4 h 22 min
